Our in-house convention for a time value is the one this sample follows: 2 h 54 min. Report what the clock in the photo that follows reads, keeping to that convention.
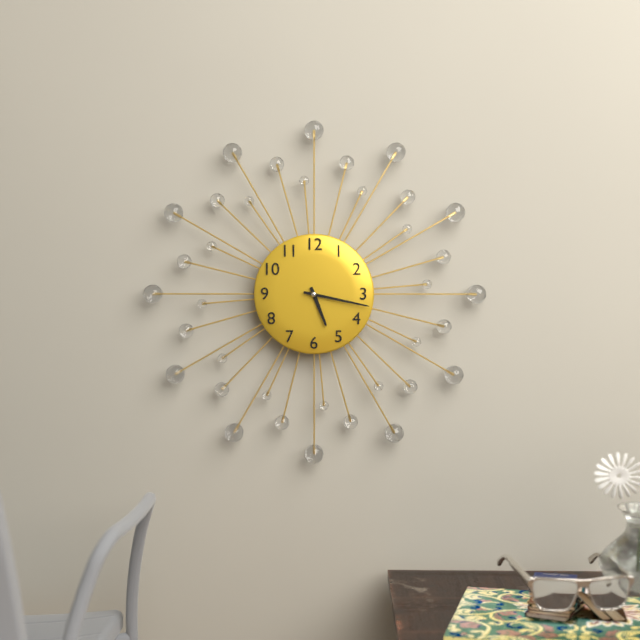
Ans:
5 h 17 min
